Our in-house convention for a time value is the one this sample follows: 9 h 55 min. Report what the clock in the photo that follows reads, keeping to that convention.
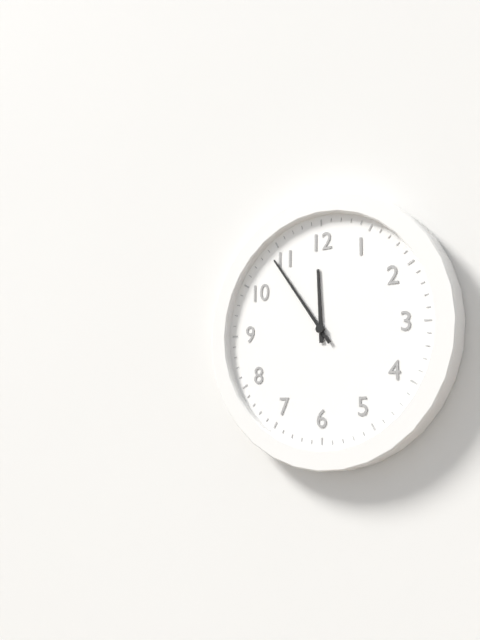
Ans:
11 h 54 min
